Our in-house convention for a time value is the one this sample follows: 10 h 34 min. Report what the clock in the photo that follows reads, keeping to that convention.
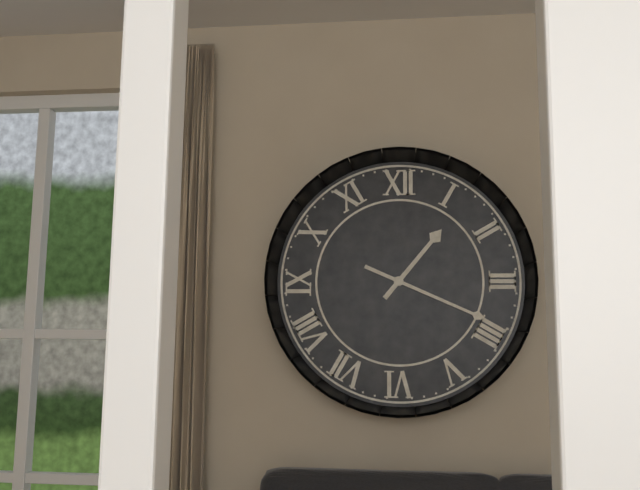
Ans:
1 h 19 min
